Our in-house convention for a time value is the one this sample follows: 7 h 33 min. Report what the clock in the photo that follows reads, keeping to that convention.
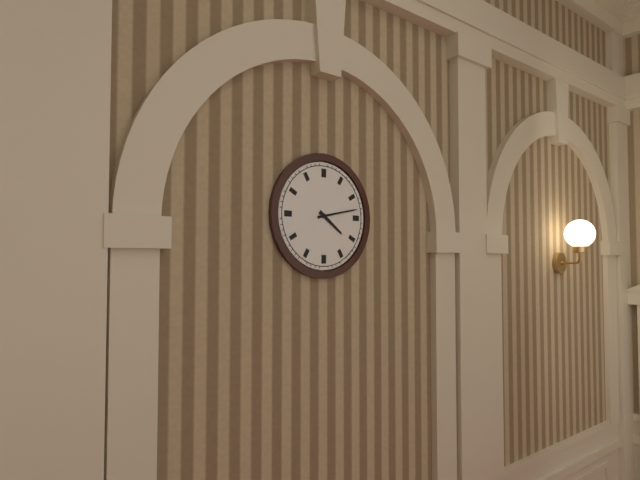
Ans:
4 h 13 min
